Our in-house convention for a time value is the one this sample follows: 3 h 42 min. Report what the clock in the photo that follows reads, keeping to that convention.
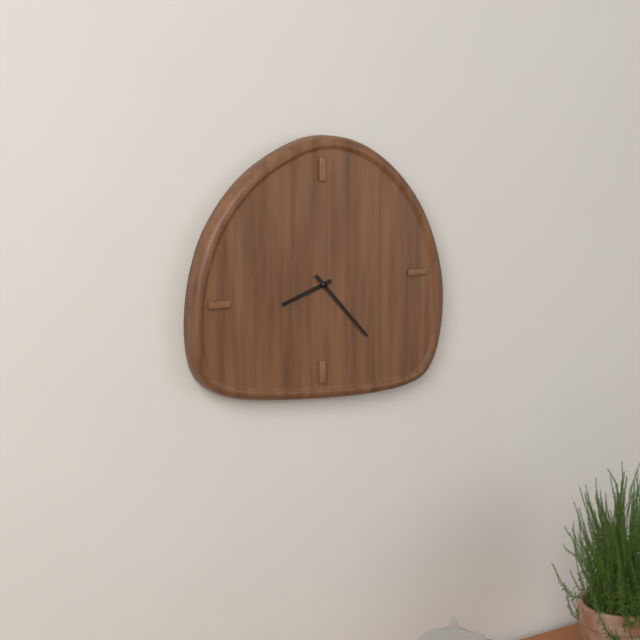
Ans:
8 h 23 min
